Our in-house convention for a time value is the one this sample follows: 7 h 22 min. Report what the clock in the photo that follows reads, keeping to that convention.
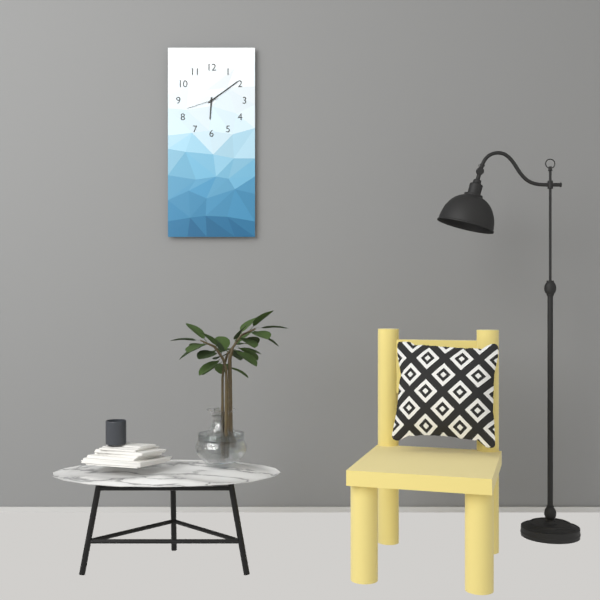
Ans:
6 h 09 min
